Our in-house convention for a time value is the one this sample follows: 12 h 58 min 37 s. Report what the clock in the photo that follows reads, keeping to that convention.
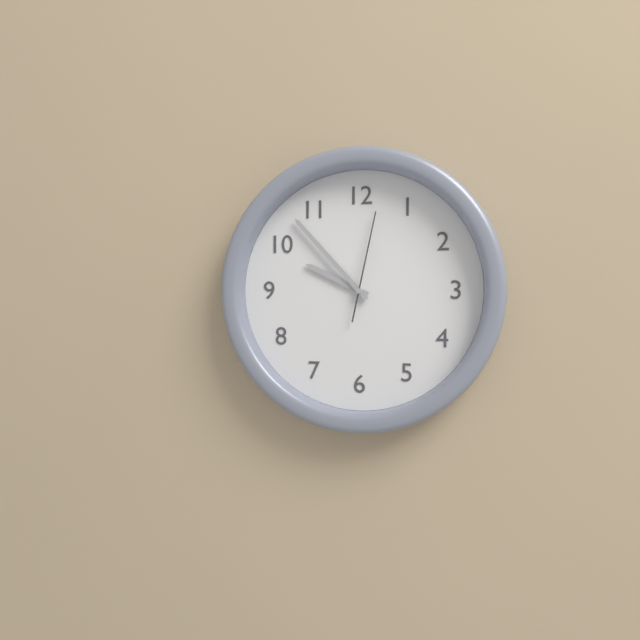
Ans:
9 h 53 min 02 s
